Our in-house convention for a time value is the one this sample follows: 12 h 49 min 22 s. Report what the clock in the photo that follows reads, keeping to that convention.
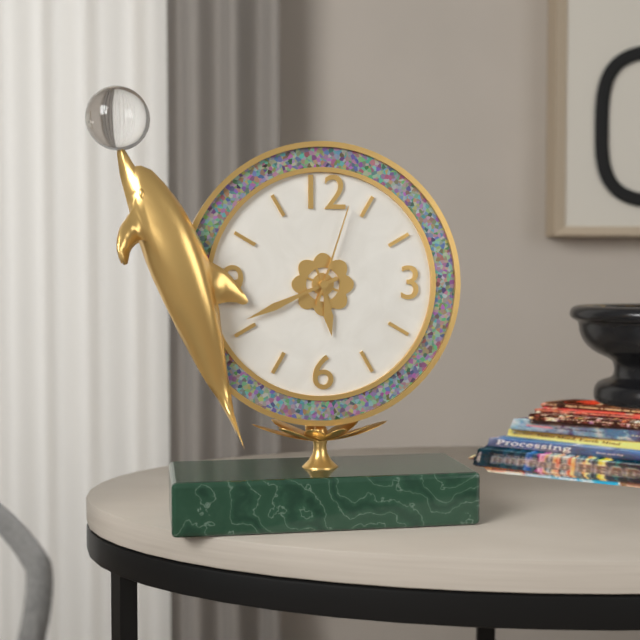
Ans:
5 h 41 min 03 s
